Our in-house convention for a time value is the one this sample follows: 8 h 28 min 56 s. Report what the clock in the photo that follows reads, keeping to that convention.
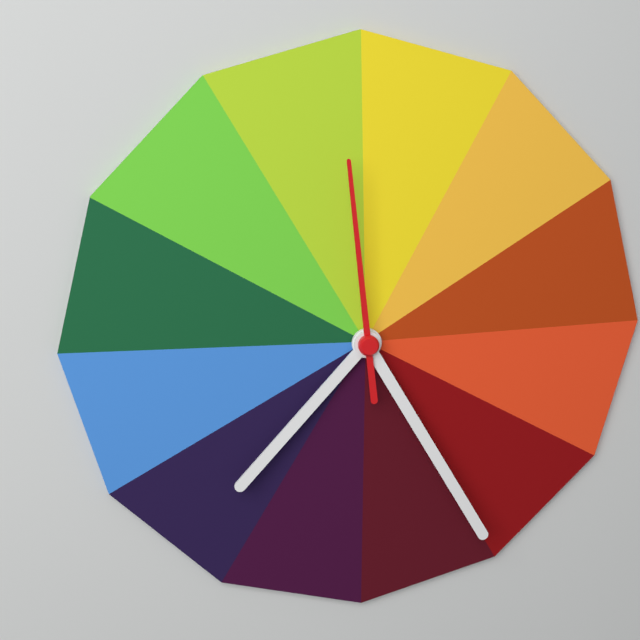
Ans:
7 h 25 min 59 s
